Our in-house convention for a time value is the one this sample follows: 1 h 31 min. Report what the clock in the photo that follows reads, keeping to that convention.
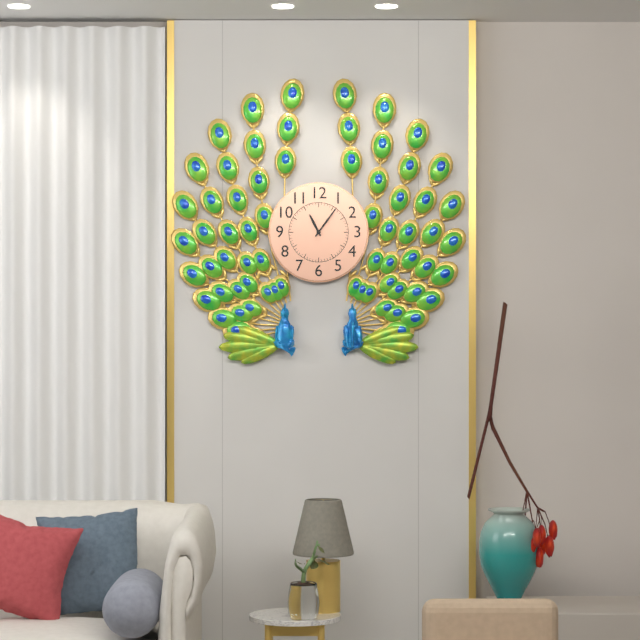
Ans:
11 h 06 min
